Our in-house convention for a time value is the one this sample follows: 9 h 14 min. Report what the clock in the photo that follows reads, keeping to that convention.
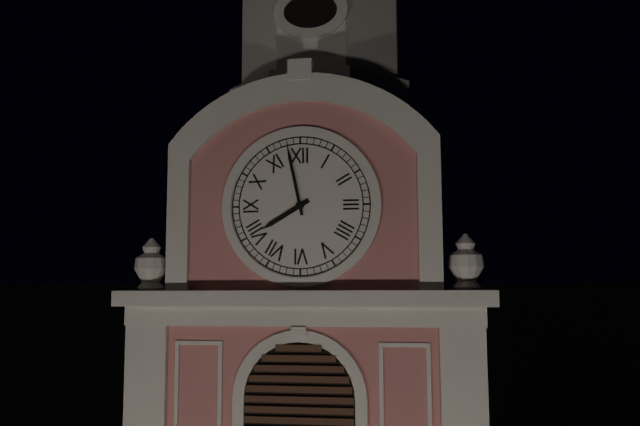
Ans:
7 h 58 min
